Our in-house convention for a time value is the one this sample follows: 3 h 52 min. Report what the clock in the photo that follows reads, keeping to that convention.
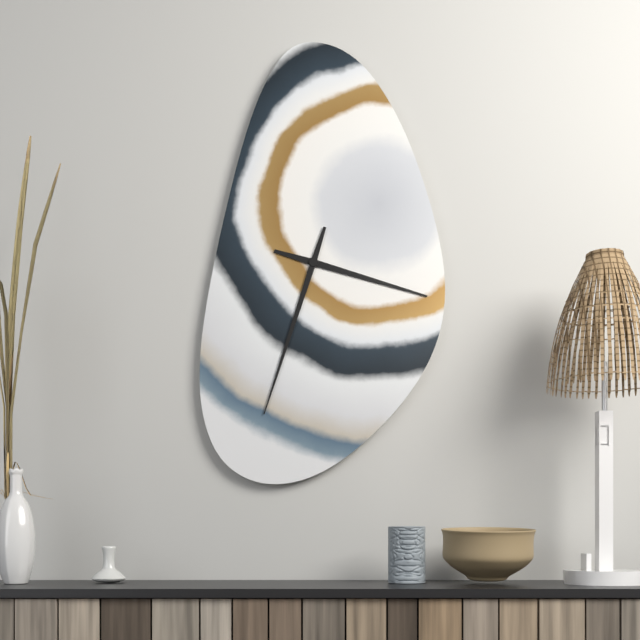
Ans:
3 h 33 min
